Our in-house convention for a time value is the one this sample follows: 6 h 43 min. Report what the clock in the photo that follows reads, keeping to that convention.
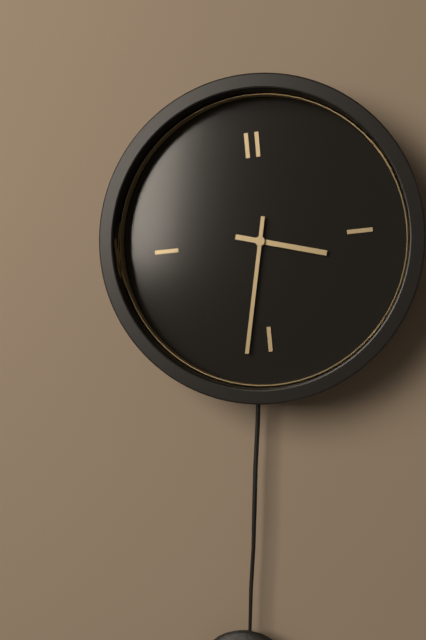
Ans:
3 h 32 min
